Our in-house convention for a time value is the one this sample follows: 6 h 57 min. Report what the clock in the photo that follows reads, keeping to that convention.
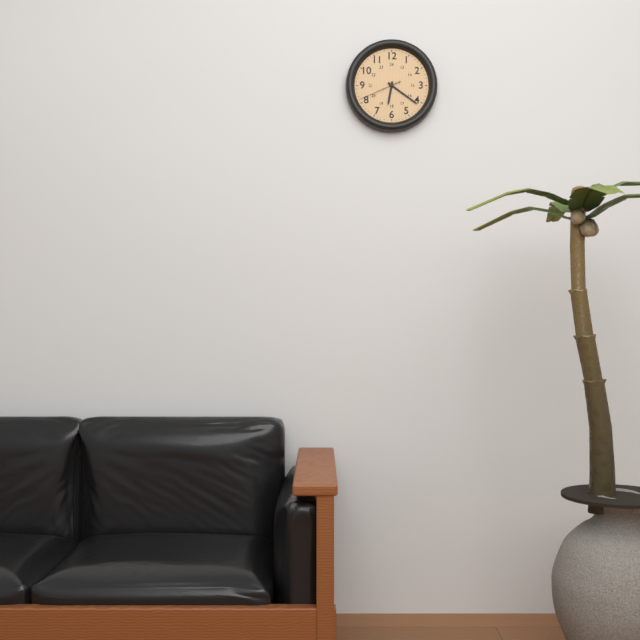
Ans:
6 h 21 min
